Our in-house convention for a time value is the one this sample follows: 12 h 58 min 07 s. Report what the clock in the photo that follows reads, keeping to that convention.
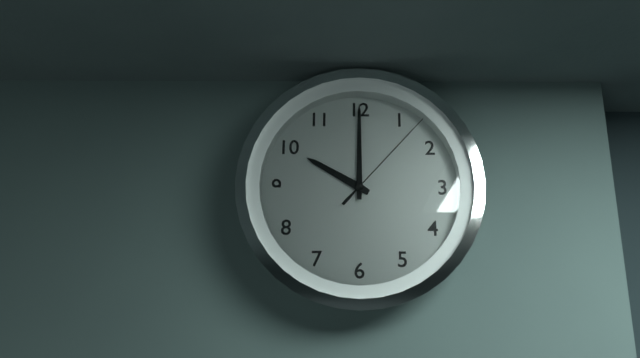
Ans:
10 h 00 min 07 s
